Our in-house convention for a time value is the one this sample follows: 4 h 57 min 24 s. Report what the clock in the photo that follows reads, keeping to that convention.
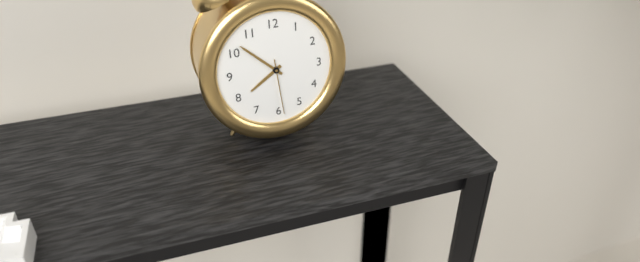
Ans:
7 h 52 min 29 s
